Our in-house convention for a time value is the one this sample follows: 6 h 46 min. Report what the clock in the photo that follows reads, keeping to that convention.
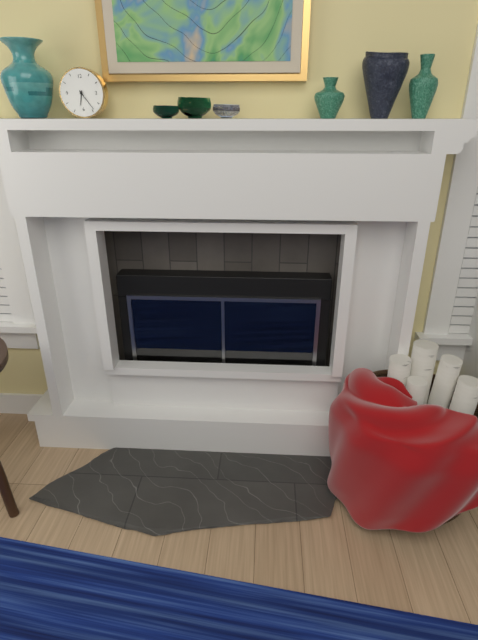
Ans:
6 h 24 min
